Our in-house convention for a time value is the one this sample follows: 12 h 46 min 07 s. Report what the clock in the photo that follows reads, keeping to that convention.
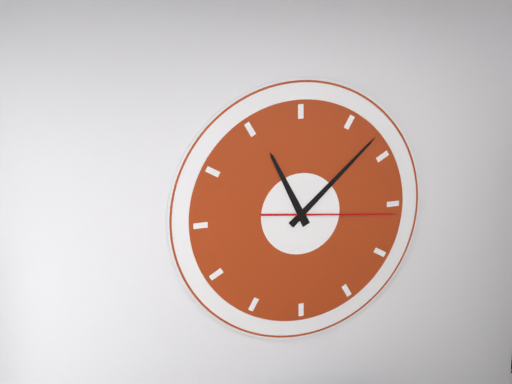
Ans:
11 h 08 min 16 s
